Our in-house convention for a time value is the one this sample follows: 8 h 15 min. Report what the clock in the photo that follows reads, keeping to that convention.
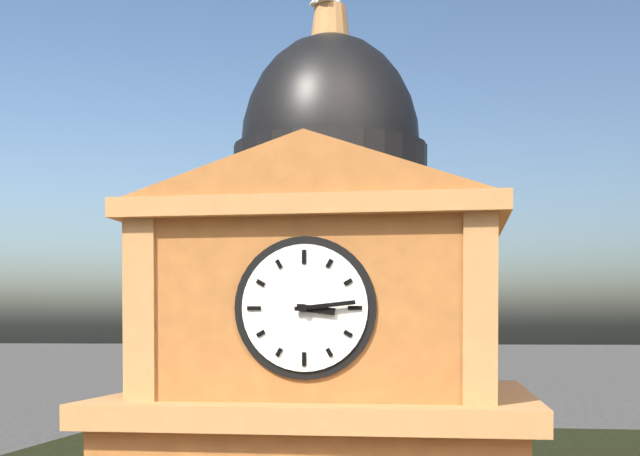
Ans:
3 h 14 min
